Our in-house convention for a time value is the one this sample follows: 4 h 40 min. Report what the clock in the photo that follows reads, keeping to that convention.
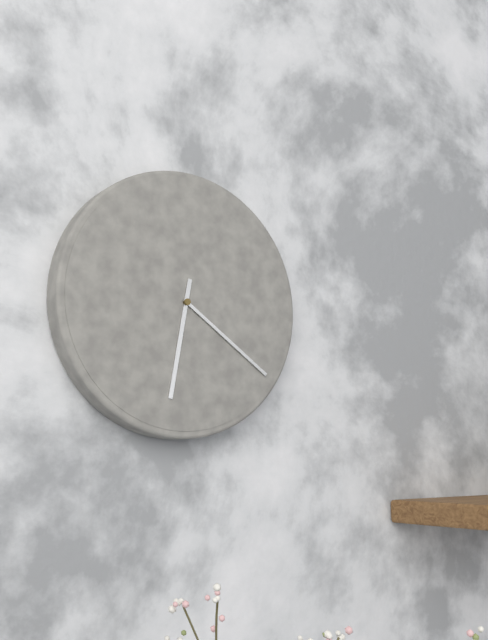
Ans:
6 h 21 min
